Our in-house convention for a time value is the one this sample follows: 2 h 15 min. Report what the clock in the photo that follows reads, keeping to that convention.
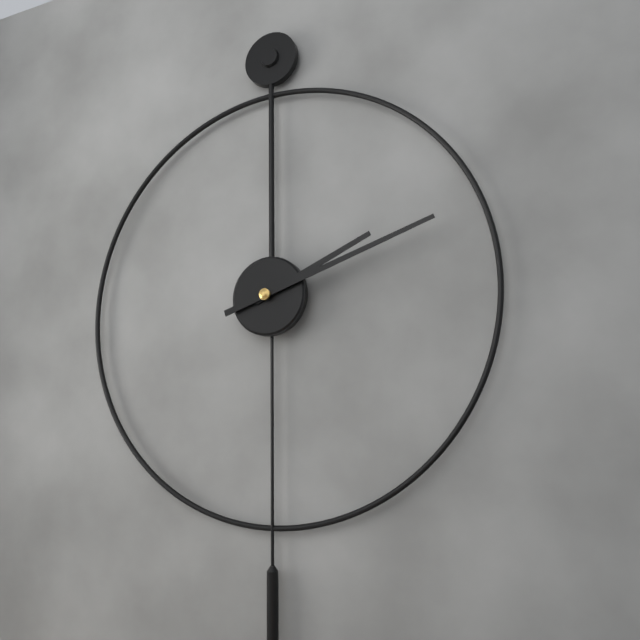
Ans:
2 h 12 min
